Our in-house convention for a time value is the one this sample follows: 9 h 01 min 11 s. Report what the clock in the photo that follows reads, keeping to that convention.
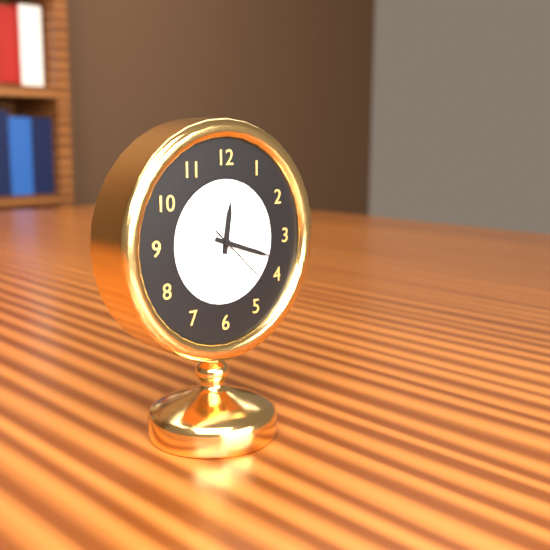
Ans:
12 h 18 min 22 s
